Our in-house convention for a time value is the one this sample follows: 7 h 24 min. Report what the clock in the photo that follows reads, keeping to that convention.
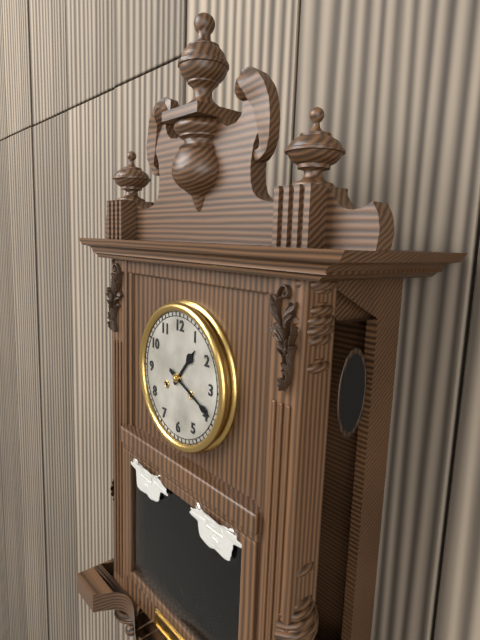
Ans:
1 h 19 min
